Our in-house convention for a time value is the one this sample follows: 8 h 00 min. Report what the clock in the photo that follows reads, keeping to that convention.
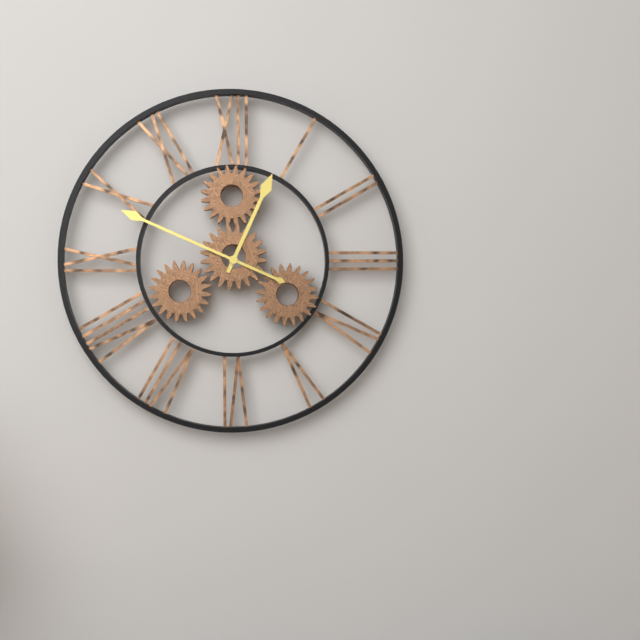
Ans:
12 h 49 min
